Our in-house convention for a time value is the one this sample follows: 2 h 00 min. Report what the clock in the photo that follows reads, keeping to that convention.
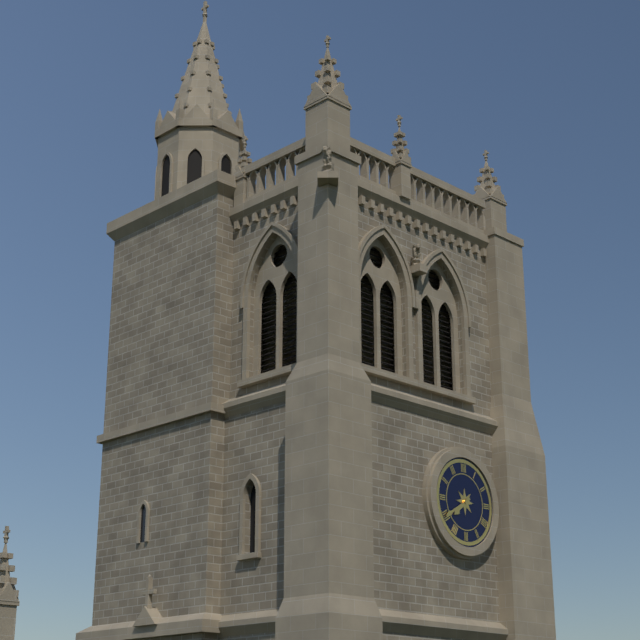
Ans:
7 h 40 min
